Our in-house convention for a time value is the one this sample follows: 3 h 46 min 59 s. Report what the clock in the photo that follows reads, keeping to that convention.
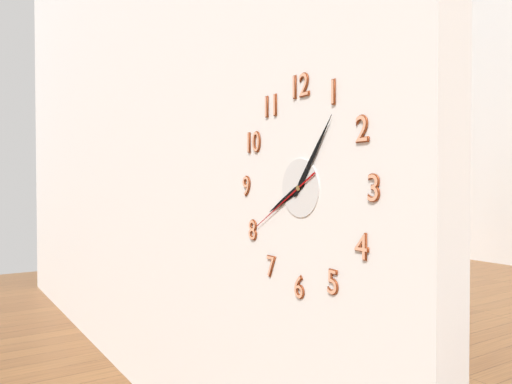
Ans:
8 h 06 min 40 s
